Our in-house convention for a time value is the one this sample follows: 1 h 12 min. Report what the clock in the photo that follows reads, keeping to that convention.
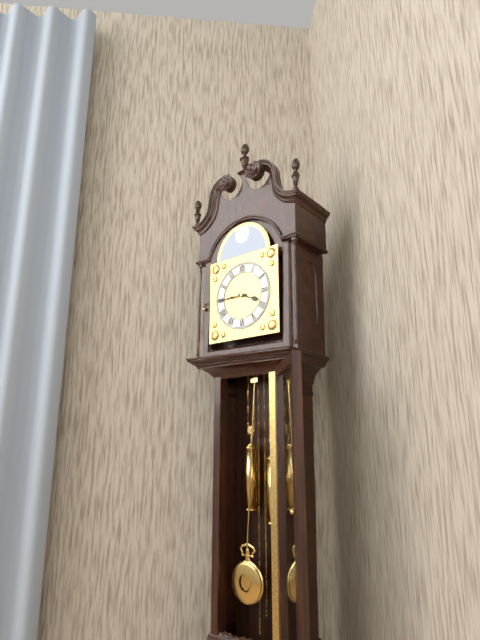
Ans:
3 h 45 min
